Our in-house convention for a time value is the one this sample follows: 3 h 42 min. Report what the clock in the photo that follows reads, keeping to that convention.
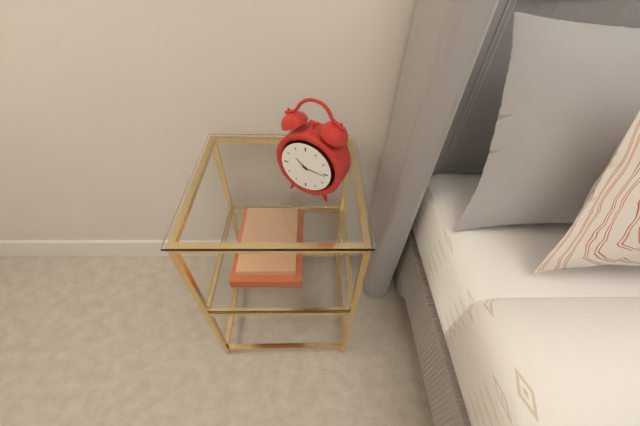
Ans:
10 h 16 min
